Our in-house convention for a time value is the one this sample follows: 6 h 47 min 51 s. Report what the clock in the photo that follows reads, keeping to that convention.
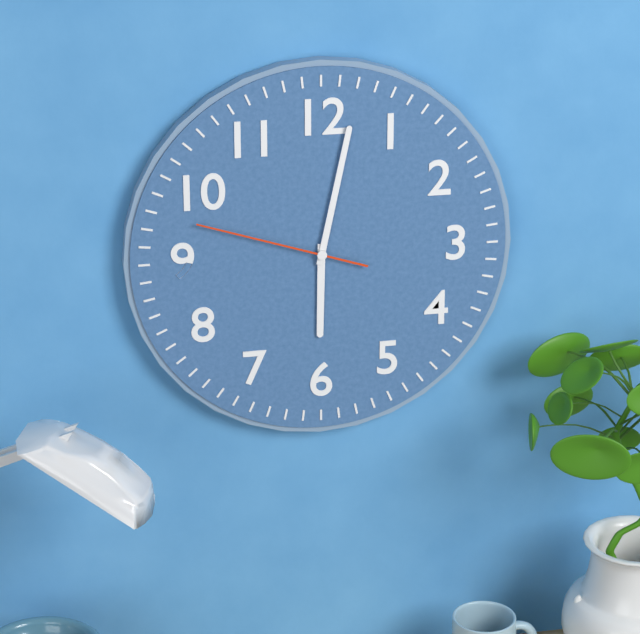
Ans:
6 h 02 min 48 s
